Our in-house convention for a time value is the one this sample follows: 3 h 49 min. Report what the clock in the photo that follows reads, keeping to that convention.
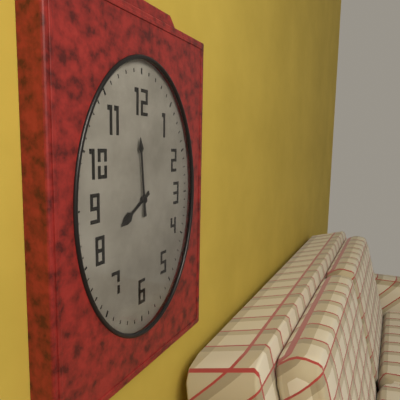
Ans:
7 h 59 min
